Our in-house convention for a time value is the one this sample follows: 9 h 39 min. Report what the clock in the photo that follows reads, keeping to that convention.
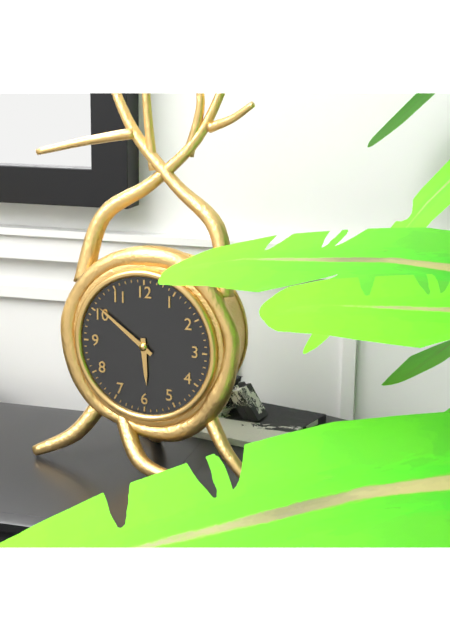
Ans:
5 h 51 min
